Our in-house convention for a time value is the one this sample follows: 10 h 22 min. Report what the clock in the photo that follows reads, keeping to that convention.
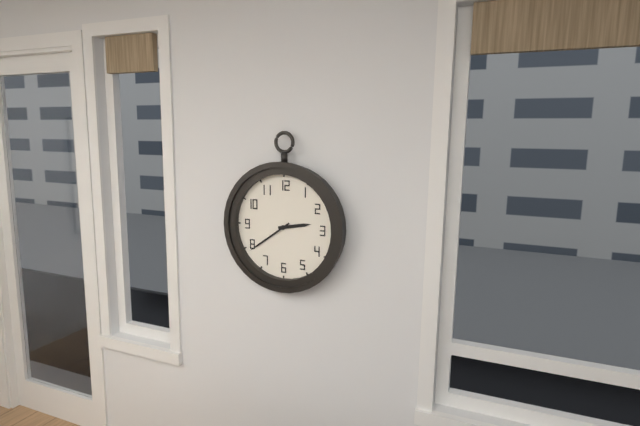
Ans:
2 h 39 min
